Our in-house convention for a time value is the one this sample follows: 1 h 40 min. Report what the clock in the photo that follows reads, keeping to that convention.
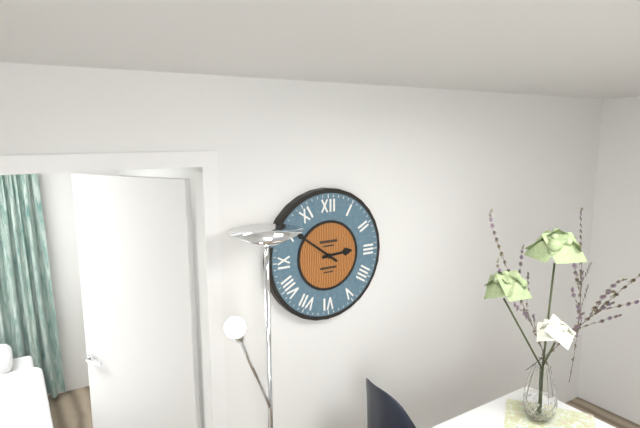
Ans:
2 h 51 min
